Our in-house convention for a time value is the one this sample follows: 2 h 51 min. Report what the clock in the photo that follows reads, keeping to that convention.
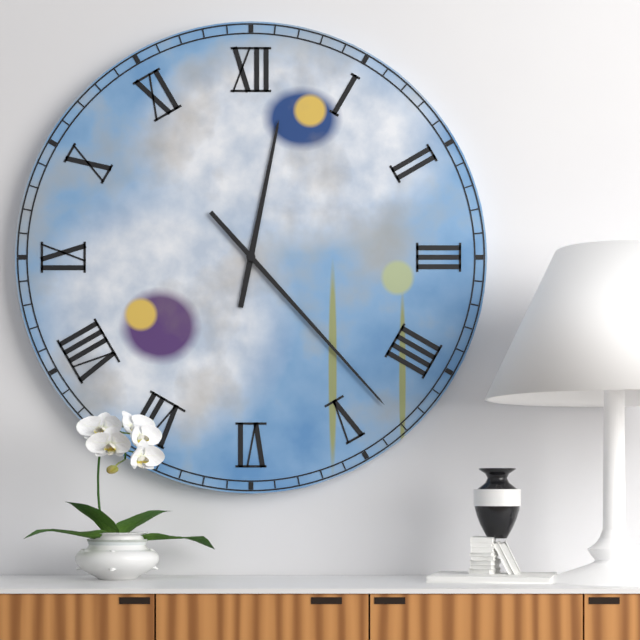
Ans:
12 h 23 min
